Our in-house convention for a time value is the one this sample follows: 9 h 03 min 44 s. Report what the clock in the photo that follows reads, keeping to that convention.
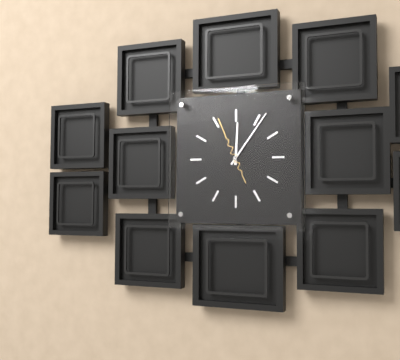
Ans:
12 h 06 min 56 s
